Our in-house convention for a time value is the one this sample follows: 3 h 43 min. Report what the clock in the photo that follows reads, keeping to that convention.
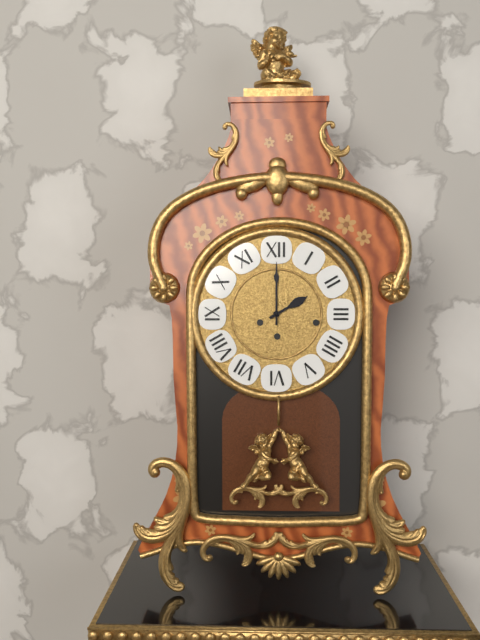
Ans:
2 h 00 min
